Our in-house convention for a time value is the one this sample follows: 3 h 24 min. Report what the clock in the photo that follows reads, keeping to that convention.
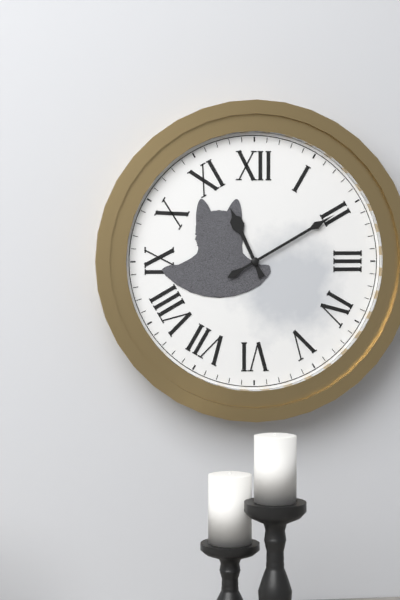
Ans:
11 h 10 min
